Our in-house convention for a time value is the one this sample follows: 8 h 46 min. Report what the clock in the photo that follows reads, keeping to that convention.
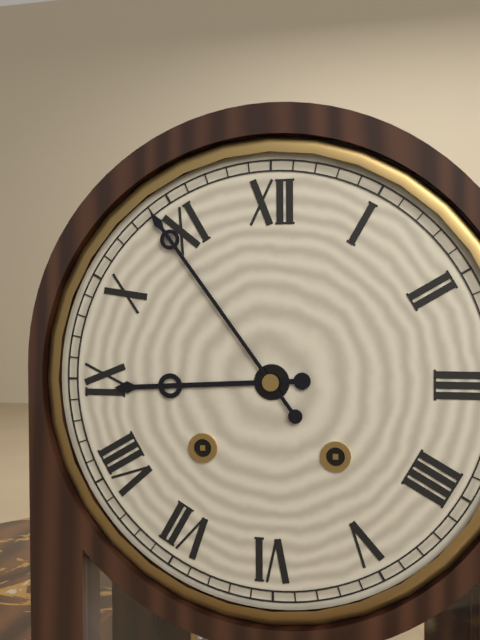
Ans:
8 h 54 min
